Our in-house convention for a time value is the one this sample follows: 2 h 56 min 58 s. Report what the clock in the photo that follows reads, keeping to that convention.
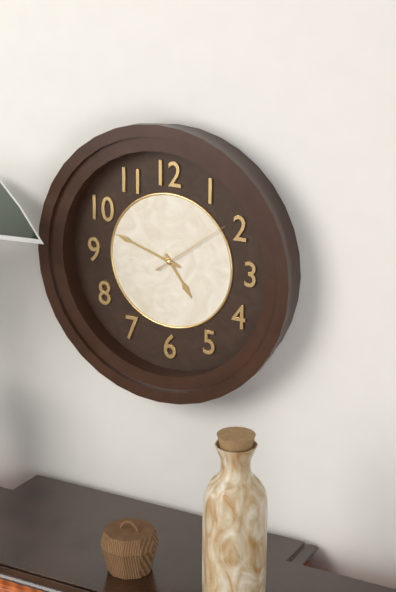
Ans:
4 h 48 min 09 s
